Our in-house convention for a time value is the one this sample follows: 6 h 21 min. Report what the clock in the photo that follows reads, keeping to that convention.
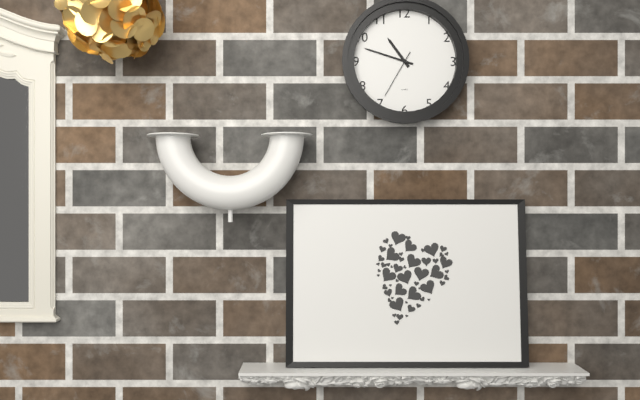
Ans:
10 h 48 min
